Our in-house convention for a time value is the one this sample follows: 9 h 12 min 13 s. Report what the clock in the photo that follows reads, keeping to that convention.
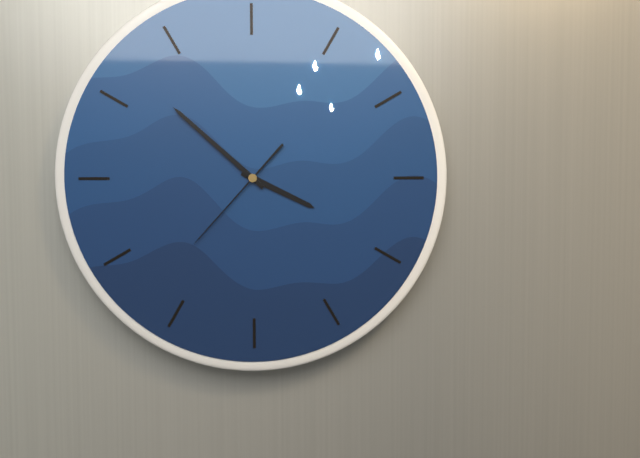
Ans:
3 h 52 min 37 s
